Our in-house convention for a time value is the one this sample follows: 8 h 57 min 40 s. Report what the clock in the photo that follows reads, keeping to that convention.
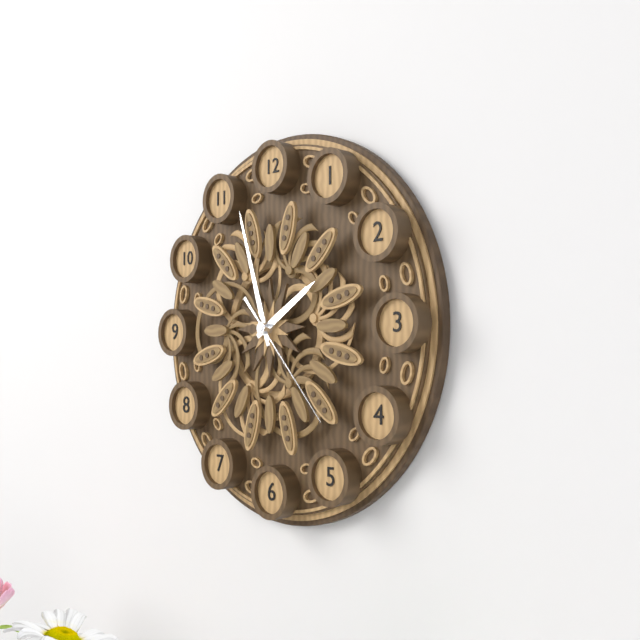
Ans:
1 h 57 min 23 s
